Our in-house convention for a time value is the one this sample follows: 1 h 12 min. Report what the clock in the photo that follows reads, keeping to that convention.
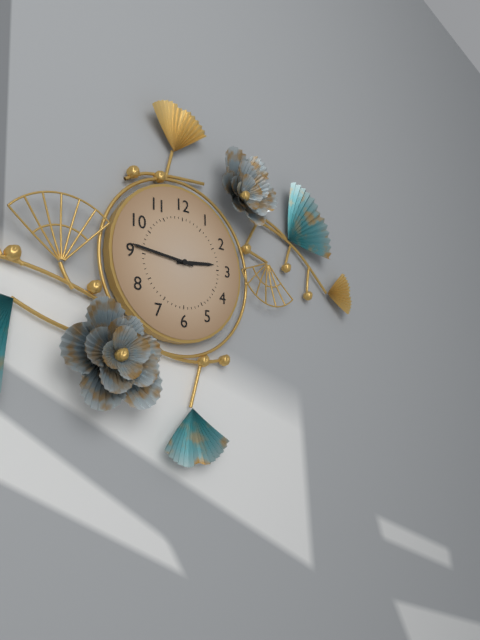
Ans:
2 h 46 min
